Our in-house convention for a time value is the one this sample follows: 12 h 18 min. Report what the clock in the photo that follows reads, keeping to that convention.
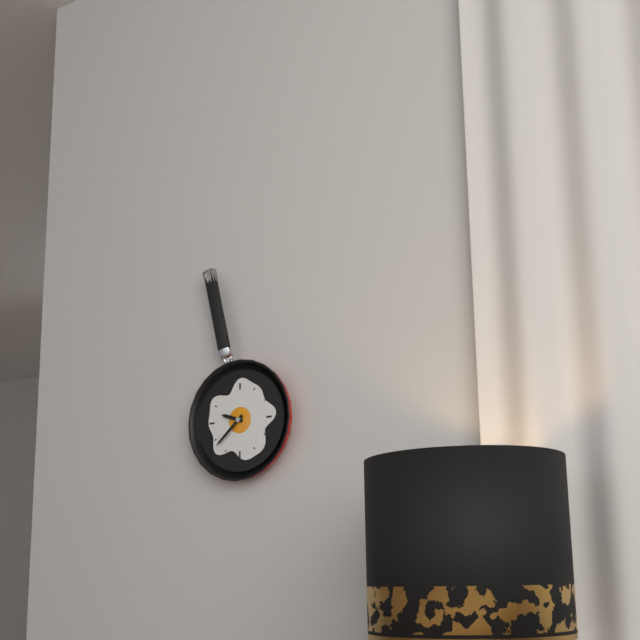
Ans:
9 h 38 min
